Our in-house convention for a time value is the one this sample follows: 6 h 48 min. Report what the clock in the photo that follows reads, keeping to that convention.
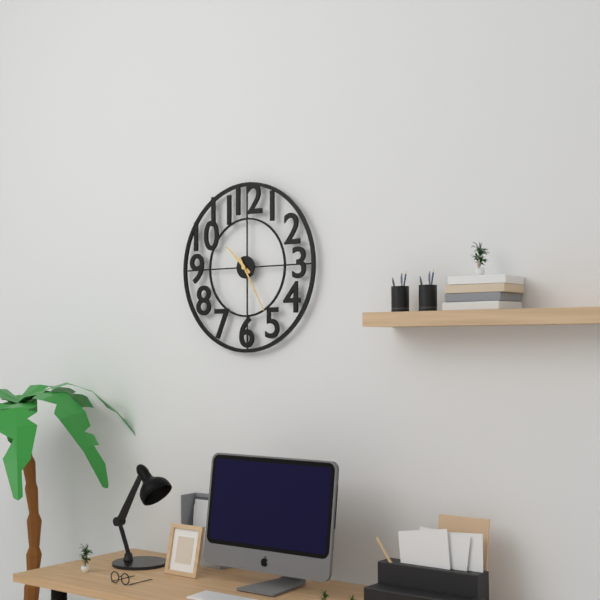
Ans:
10 h 25 min
